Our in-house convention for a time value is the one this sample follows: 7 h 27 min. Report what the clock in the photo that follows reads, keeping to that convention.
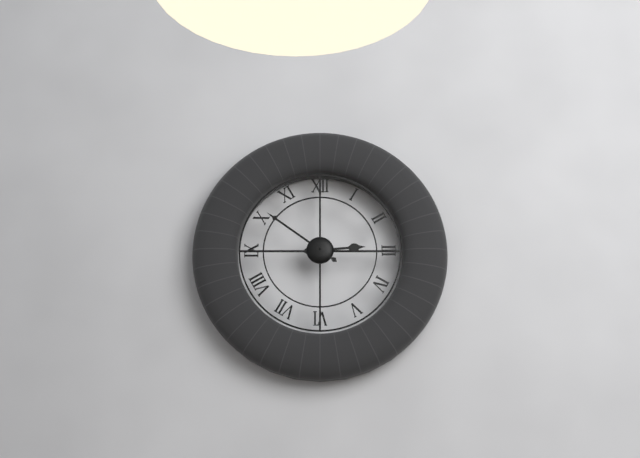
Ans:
2 h 51 min
